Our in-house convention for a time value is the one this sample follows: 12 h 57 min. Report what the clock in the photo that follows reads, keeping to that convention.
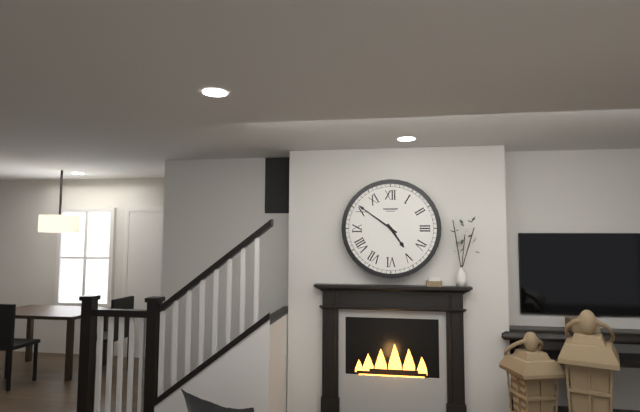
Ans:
4 h 51 min
